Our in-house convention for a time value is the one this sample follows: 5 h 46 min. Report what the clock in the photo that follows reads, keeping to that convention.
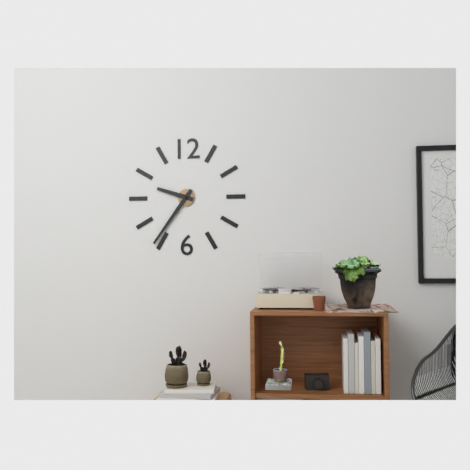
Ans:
9 h 36 min
